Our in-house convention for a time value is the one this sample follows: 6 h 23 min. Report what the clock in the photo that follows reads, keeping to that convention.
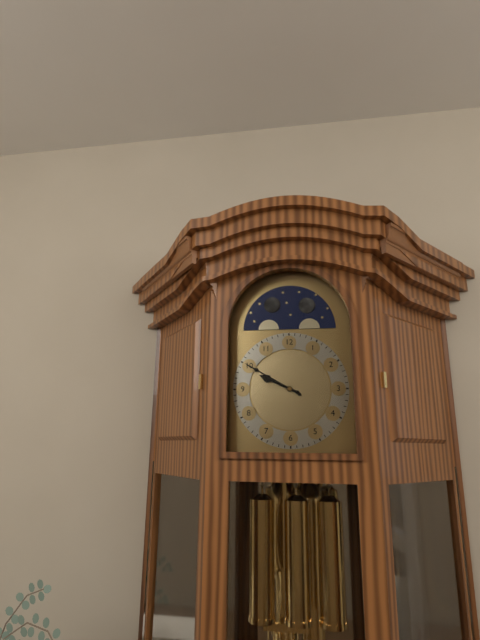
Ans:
9 h 50 min
